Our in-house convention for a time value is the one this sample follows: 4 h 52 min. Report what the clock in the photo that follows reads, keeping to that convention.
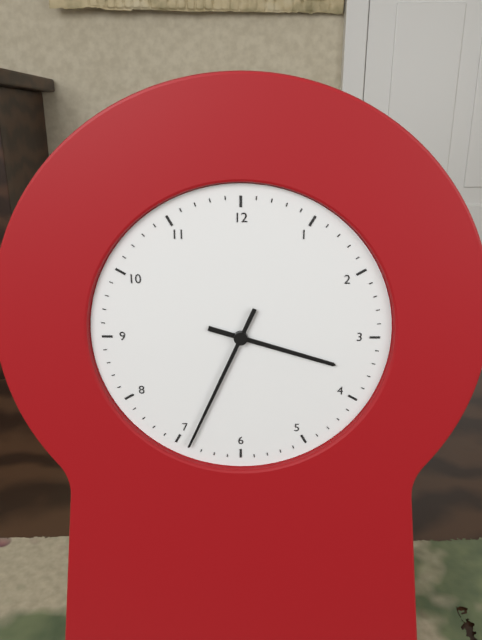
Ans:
3 h 34 min
